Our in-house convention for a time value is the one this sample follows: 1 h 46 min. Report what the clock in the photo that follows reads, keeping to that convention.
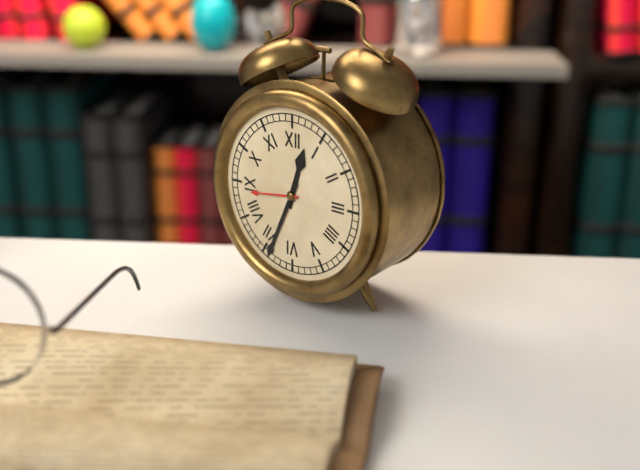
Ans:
12 h 34 min
